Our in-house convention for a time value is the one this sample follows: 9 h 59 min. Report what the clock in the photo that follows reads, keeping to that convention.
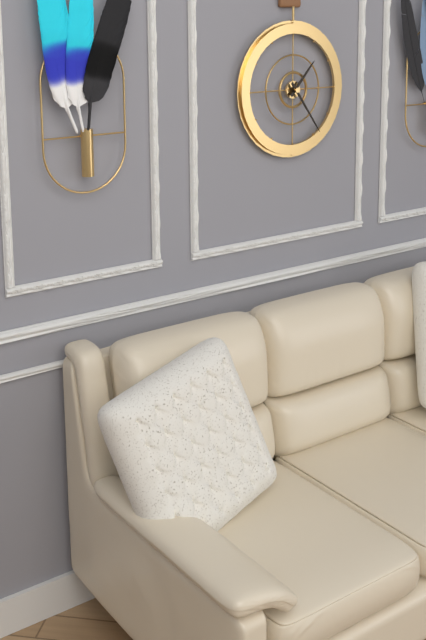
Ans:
1 h 24 min
